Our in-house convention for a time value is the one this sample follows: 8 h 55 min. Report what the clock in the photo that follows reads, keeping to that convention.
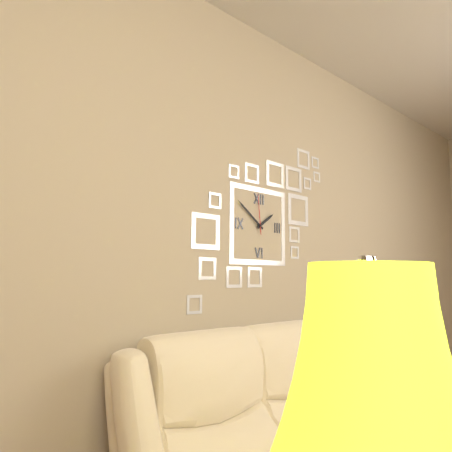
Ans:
1 h 51 min
